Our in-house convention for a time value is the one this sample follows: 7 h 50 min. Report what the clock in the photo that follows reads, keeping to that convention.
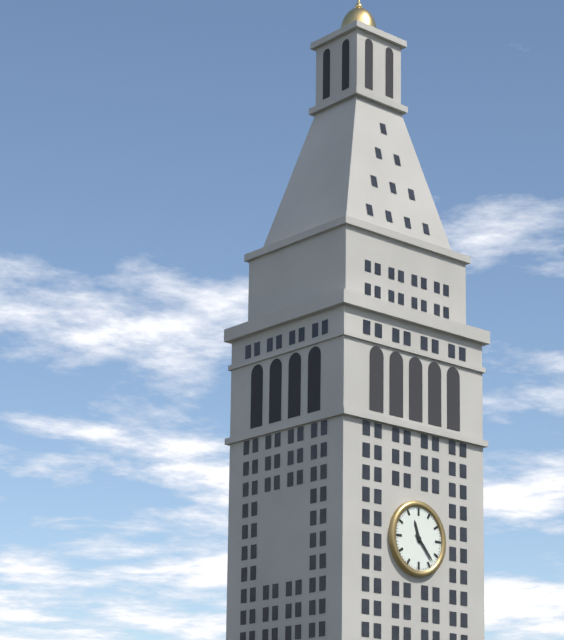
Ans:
11 h 23 min
